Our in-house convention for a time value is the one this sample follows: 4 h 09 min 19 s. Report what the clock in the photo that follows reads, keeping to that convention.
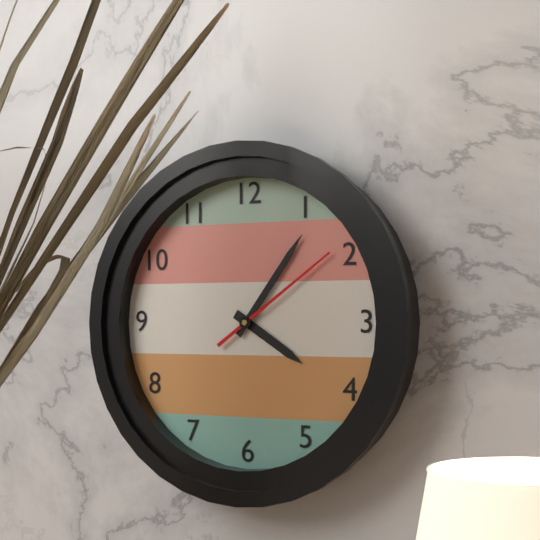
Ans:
4 h 06 min 09 s
